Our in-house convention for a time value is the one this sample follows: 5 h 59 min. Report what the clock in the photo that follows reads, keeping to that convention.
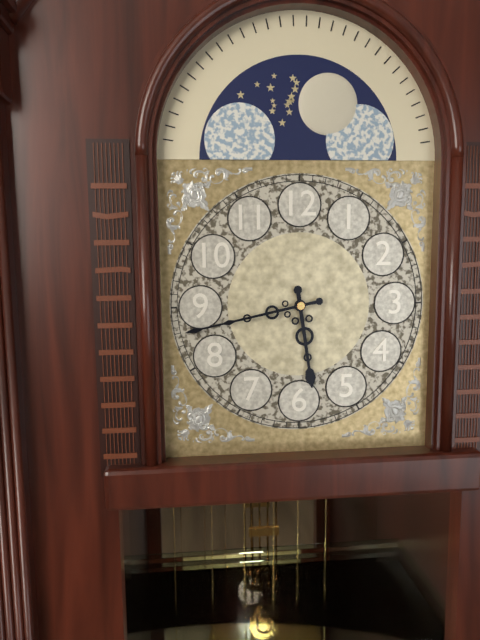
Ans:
5 h 43 min
